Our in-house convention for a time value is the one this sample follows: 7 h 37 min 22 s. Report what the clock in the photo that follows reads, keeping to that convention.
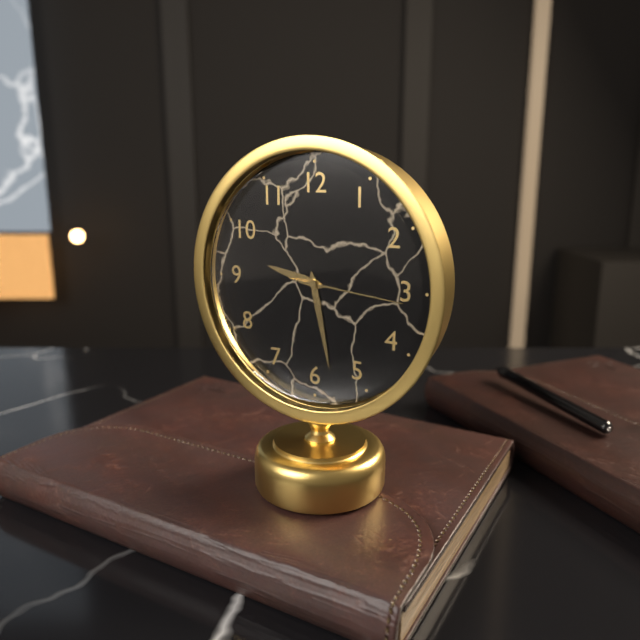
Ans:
9 h 28 min 16 s
